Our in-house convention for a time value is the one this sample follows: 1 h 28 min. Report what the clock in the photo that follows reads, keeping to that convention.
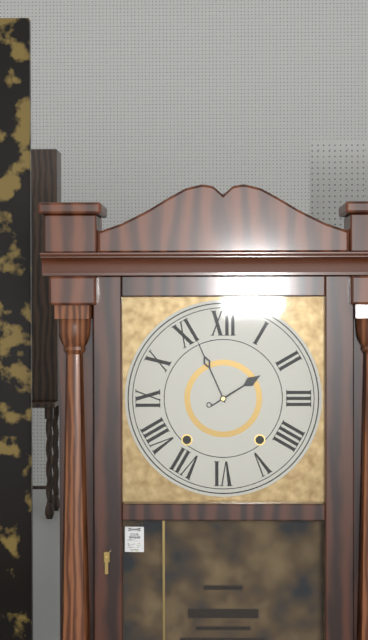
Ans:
1 h 56 min
